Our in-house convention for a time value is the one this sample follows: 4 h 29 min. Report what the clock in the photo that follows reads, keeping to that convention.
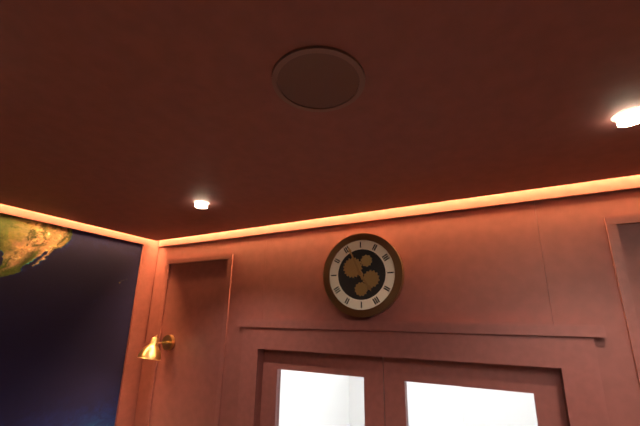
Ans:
4 h 56 min
